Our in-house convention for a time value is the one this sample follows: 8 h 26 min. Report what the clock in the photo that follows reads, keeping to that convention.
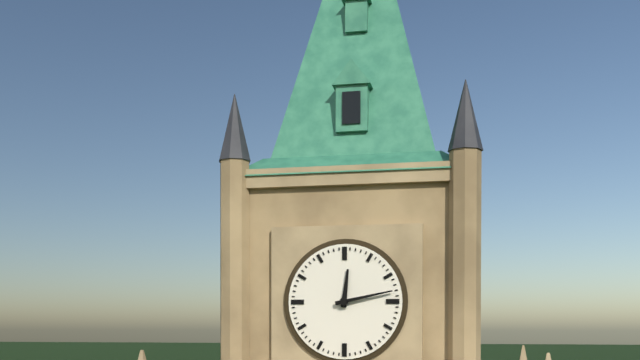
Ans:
12 h 13 min
